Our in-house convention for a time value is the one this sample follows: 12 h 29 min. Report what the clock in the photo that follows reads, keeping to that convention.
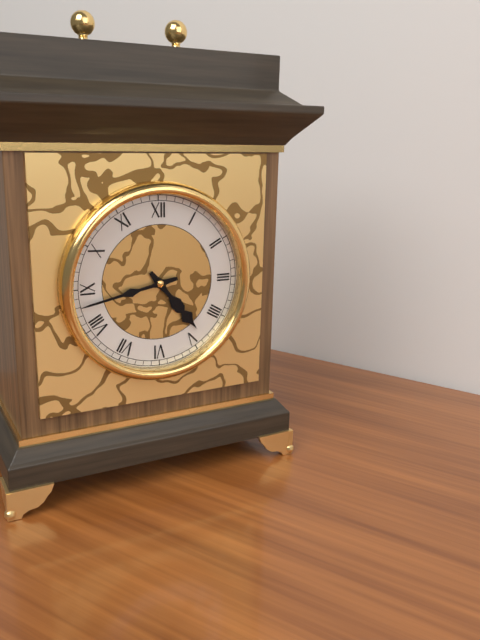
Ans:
4 h 43 min
